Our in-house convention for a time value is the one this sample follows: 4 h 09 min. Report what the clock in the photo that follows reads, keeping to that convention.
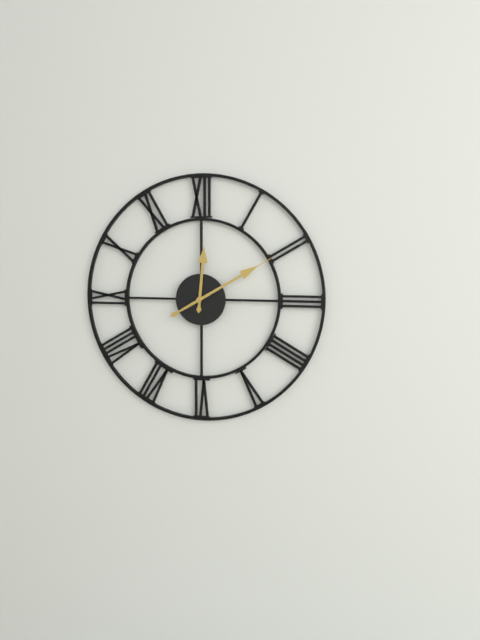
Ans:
12 h 10 min
